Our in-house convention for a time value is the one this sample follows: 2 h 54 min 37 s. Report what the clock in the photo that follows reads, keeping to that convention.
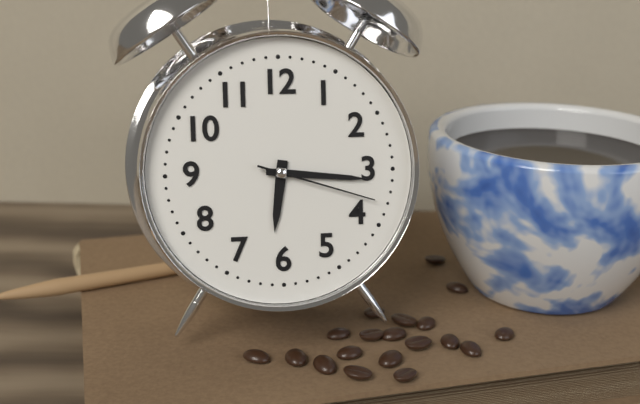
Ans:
6 h 16 min 18 s
